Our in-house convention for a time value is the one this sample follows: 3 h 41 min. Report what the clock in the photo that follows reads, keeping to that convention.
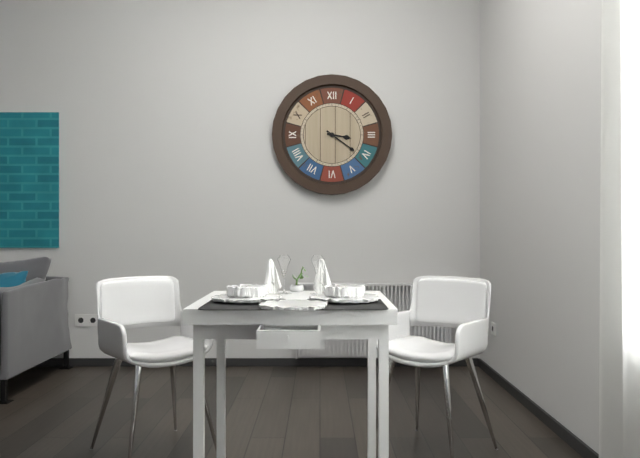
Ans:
3 h 21 min
